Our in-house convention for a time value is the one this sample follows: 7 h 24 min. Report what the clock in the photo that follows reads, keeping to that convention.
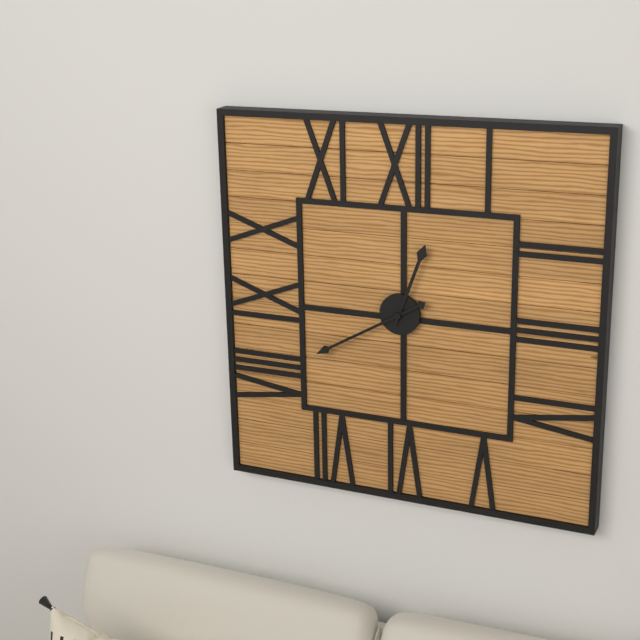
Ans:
12 h 40 min
